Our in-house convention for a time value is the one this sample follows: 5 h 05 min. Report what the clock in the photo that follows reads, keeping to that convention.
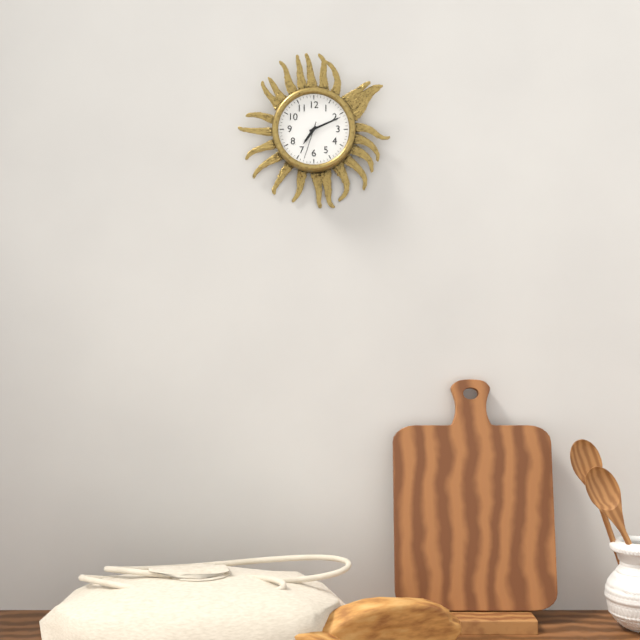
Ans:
7 h 11 min
